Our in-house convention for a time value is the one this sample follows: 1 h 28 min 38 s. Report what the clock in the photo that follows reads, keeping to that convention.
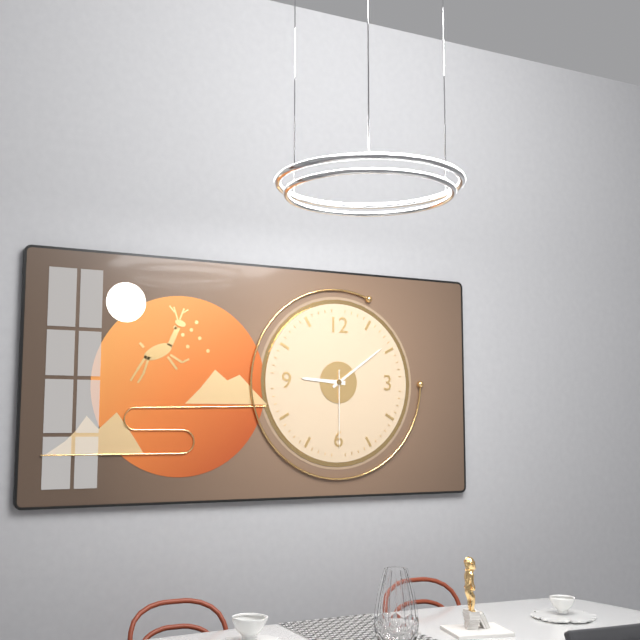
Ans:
9 h 09 min 30 s
